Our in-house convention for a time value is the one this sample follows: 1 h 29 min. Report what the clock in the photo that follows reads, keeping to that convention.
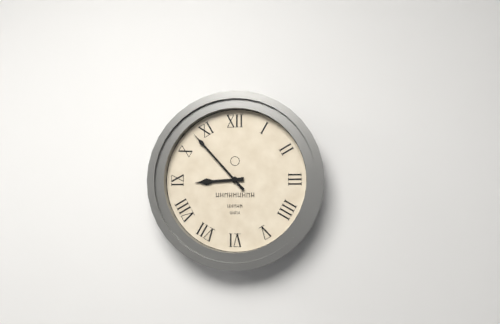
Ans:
8 h 53 min
